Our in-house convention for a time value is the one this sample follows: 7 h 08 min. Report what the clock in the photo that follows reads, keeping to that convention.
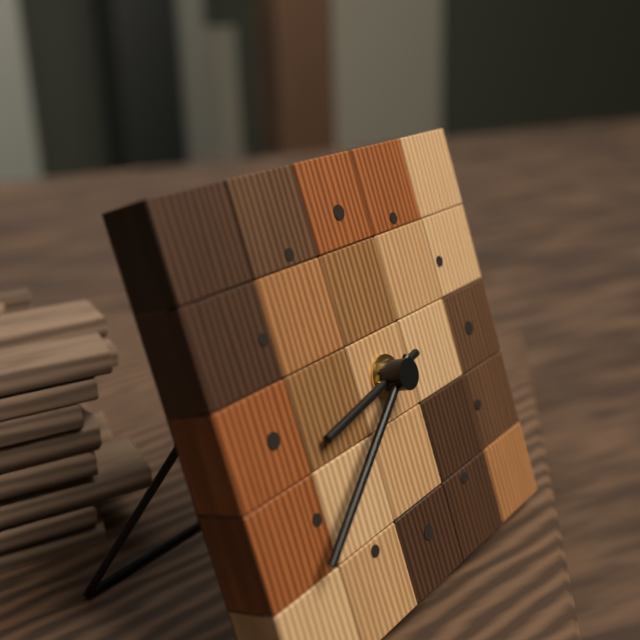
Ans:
8 h 39 min
